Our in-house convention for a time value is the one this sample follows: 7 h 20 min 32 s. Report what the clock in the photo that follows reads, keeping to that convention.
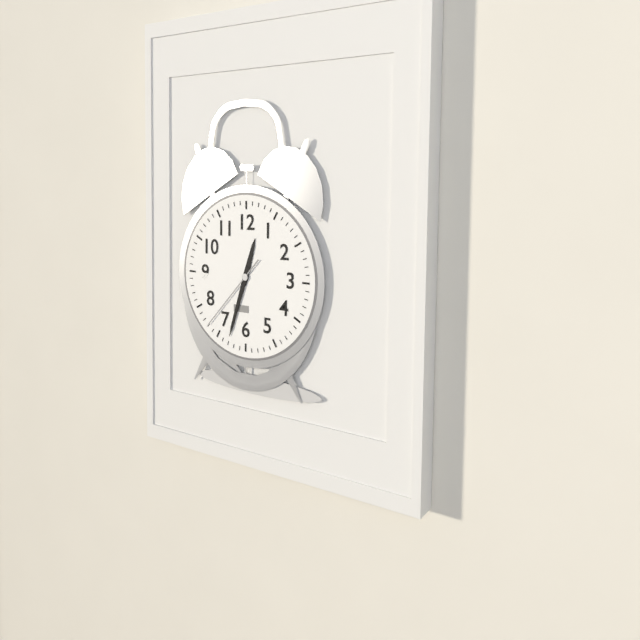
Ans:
12 h 33 min 37 s
